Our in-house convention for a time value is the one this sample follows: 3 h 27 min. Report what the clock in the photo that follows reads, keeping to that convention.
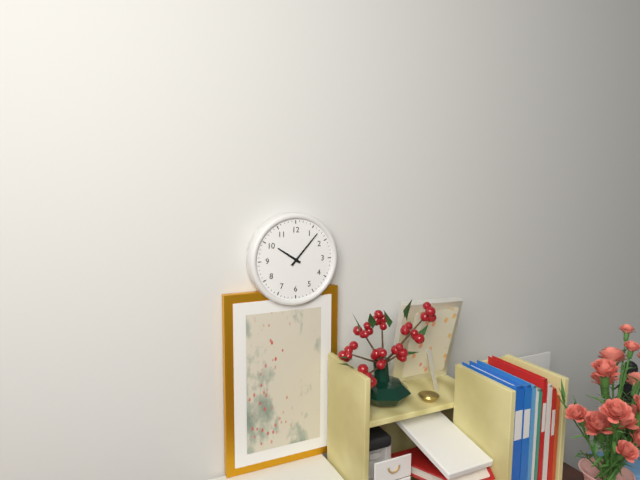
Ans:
10 h 07 min
